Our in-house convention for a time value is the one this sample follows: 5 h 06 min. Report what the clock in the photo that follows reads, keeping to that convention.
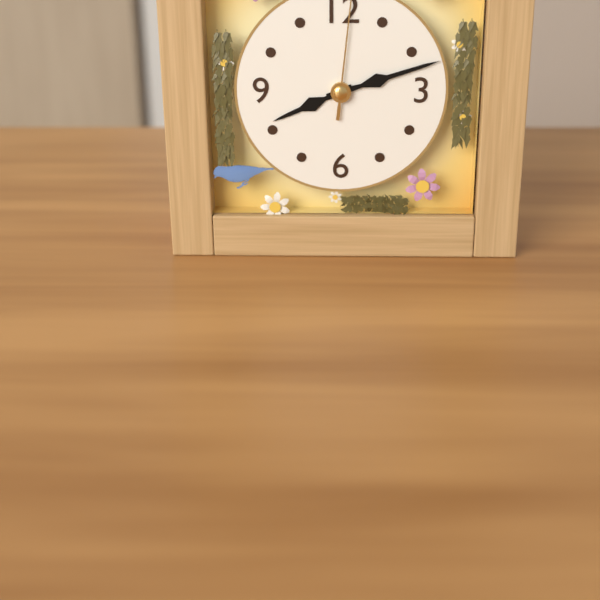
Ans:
8 h 12 min
